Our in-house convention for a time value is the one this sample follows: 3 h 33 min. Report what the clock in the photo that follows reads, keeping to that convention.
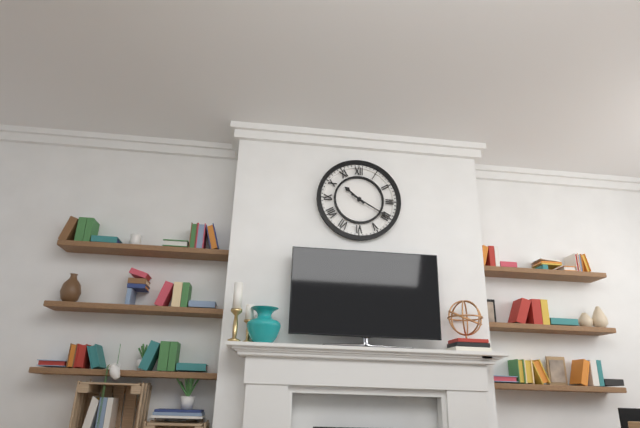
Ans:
10 h 20 min
